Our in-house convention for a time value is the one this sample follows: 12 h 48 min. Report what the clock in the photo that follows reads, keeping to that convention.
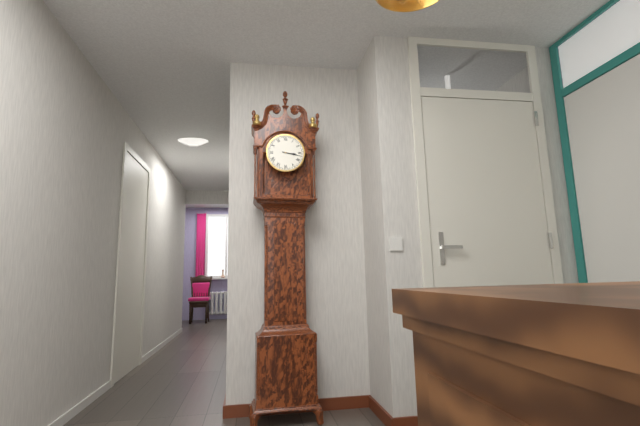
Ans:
3 h 17 min
